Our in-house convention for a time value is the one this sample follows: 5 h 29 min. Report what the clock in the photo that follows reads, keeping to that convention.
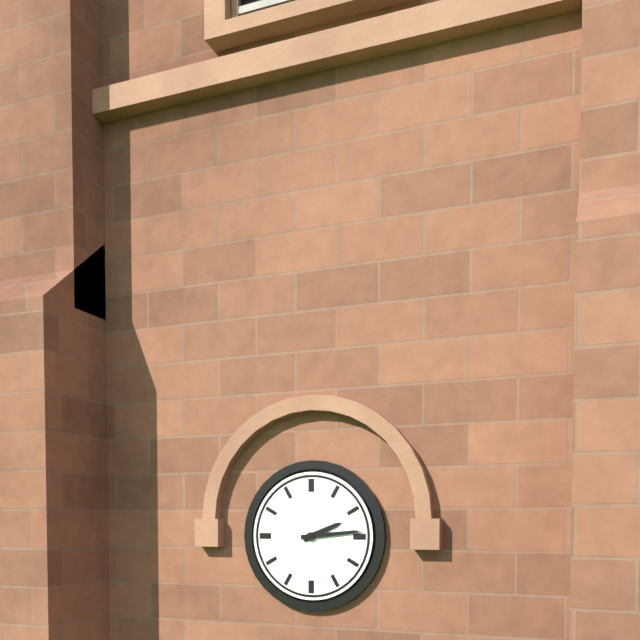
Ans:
2 h 14 min
